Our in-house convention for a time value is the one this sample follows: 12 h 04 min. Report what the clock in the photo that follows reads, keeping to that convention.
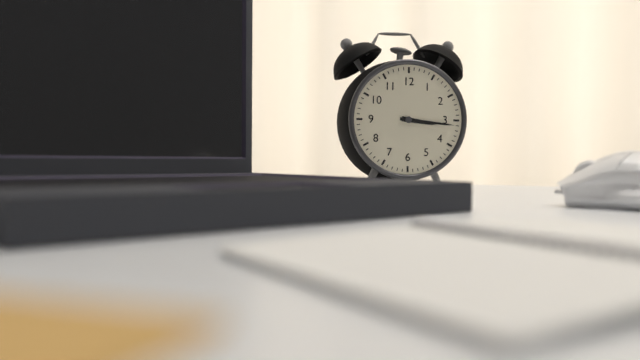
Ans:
3 h 16 min
